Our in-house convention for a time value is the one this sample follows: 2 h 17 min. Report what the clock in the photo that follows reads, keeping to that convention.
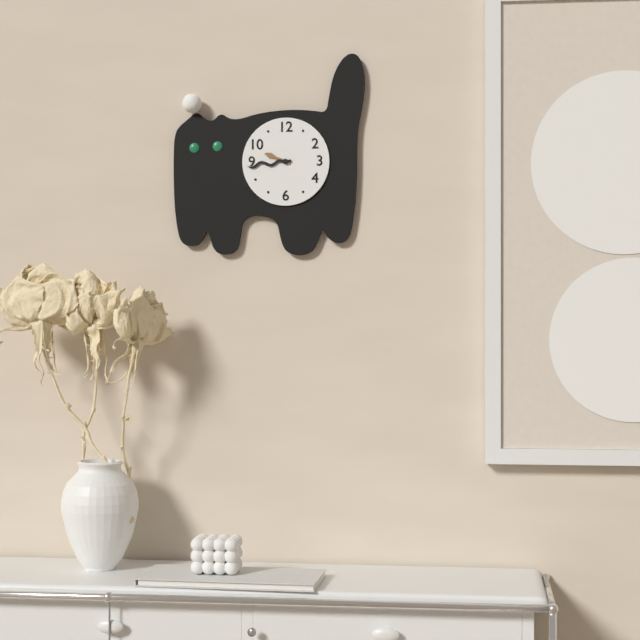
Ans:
9 h 44 min
